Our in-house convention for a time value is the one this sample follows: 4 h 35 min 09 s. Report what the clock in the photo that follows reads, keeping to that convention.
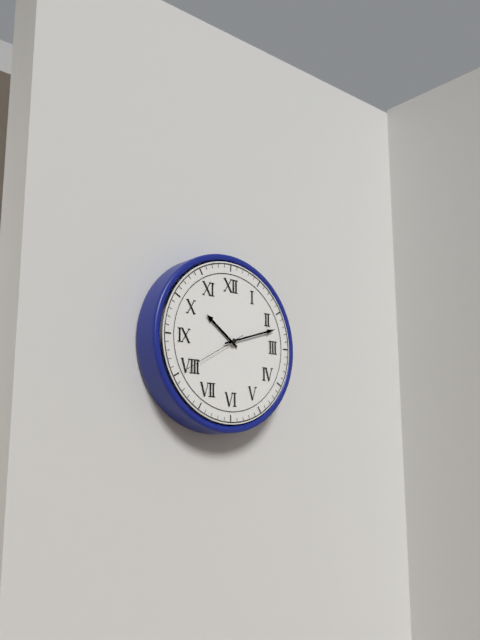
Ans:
10 h 12 min 40 s
